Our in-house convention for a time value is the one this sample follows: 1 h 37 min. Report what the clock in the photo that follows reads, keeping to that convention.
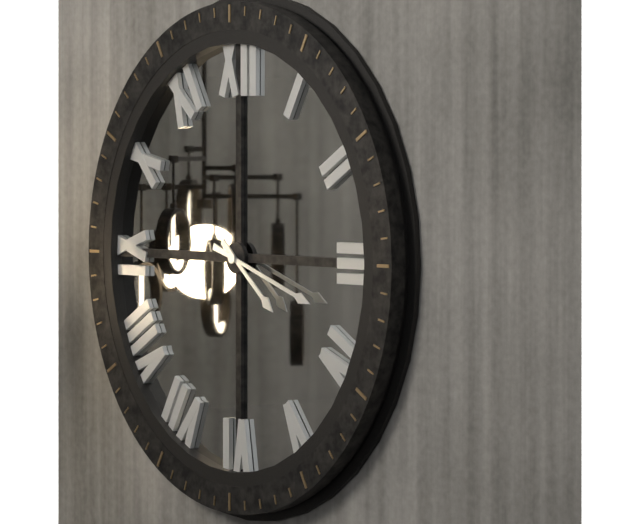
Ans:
4 h 18 min
